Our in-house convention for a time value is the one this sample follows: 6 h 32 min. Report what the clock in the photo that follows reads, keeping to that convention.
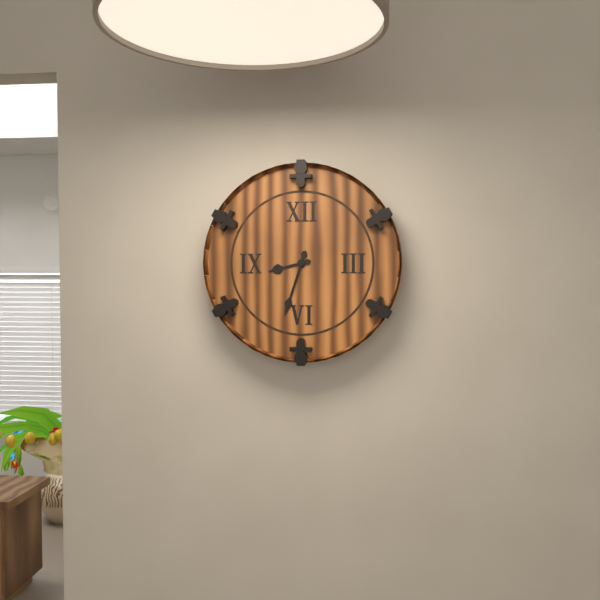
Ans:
8 h 33 min
